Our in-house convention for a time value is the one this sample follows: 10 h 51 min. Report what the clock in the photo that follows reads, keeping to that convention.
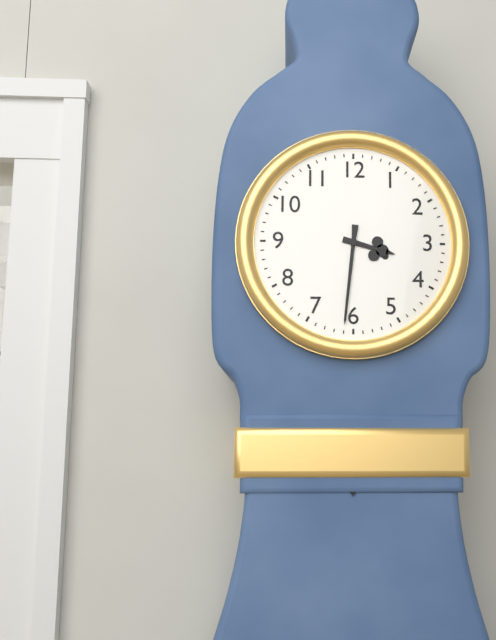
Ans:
3 h 31 min
